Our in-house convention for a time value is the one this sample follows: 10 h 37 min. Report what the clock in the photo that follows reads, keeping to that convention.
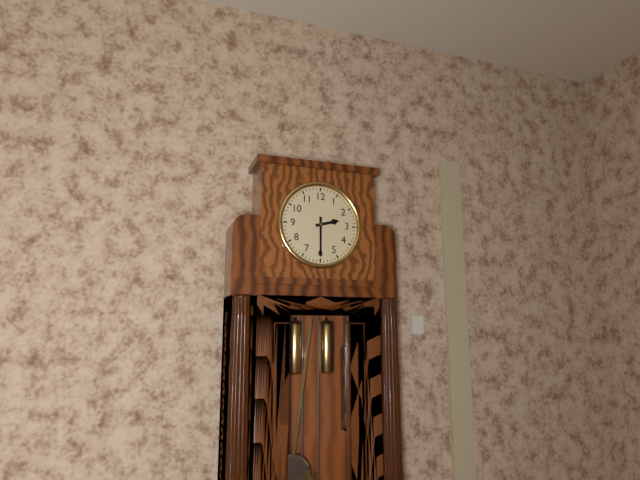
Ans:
2 h 30 min
